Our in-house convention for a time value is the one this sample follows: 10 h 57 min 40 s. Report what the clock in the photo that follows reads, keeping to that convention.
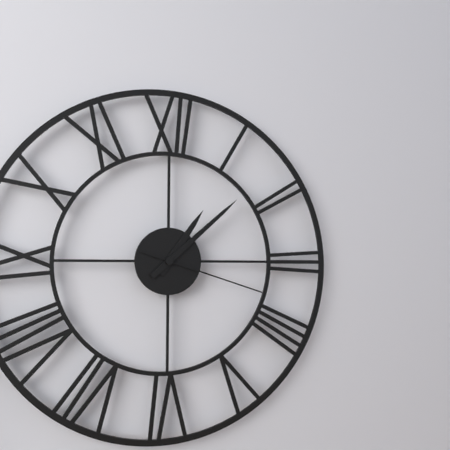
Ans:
1 h 08 min 18 s
